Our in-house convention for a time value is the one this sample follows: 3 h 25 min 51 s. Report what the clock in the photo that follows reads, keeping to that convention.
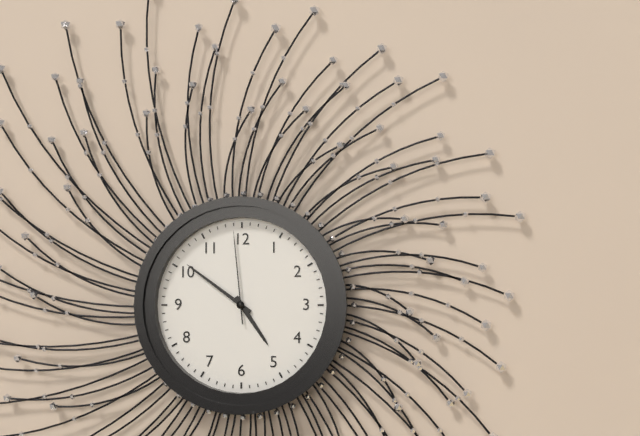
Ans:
4 h 51 min 59 s
